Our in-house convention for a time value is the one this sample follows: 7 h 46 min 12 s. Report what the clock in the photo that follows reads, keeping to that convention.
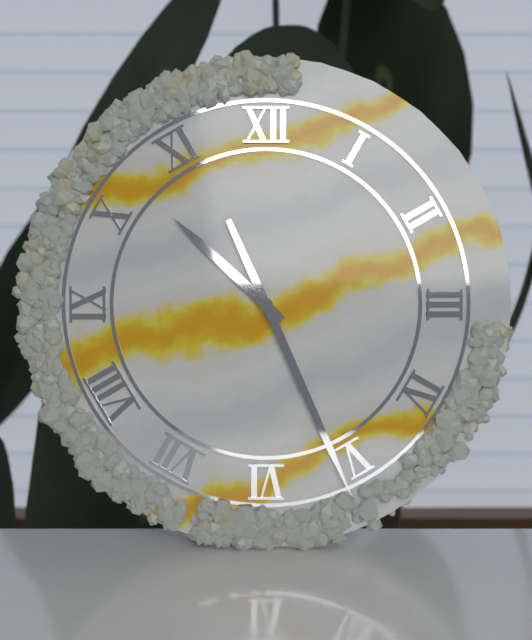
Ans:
10 h 26 min 26 s
